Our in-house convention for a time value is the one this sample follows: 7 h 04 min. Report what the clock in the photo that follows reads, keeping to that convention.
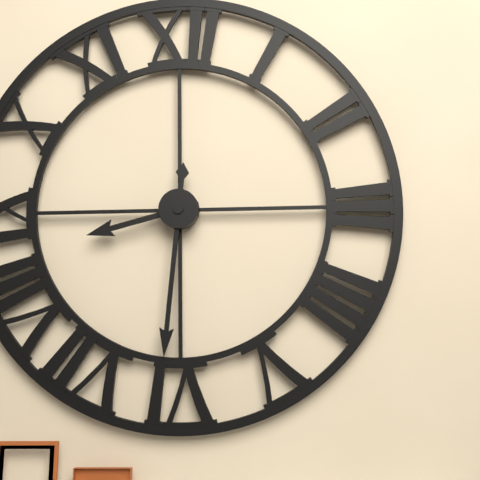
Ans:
8 h 31 min
